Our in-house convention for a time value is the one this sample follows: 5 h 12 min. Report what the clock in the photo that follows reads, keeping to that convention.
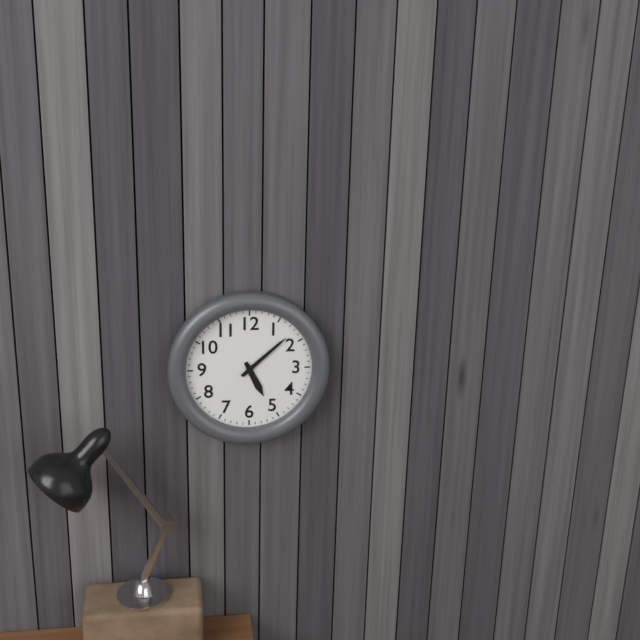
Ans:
5 h 08 min
